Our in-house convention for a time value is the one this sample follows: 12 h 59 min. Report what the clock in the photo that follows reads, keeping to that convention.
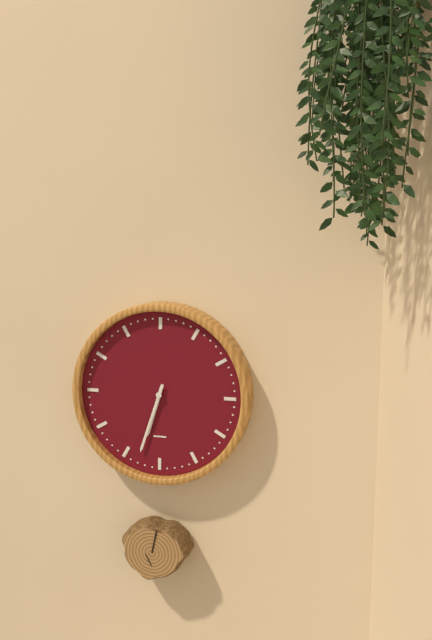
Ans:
6 h 33 min
